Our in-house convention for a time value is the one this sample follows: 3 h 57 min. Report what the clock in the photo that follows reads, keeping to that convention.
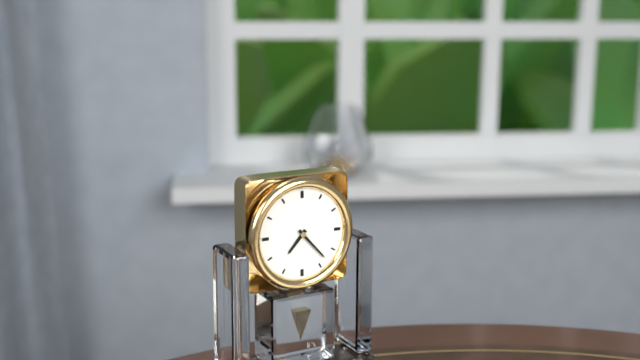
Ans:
7 h 23 min
